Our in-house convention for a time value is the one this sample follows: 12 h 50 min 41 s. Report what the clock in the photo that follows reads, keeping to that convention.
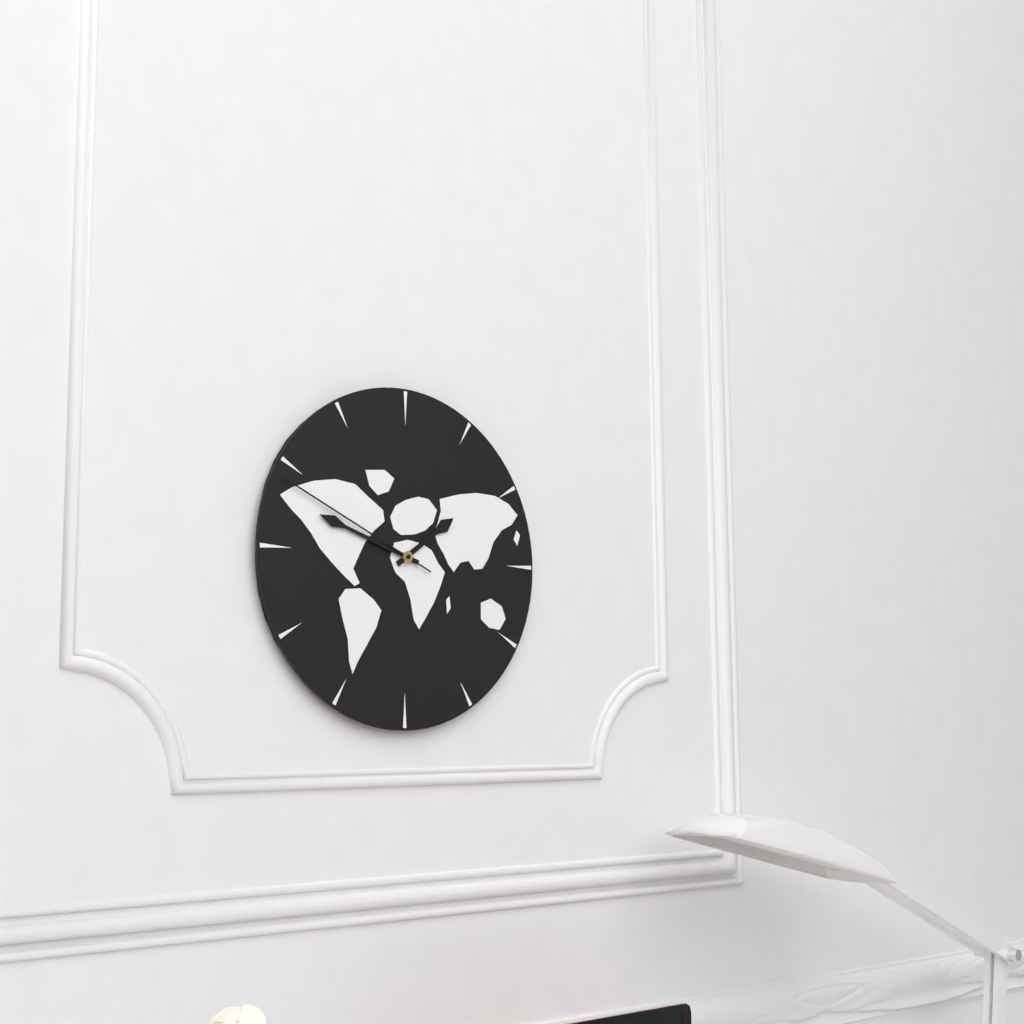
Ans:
1 h 48 min 49 s
